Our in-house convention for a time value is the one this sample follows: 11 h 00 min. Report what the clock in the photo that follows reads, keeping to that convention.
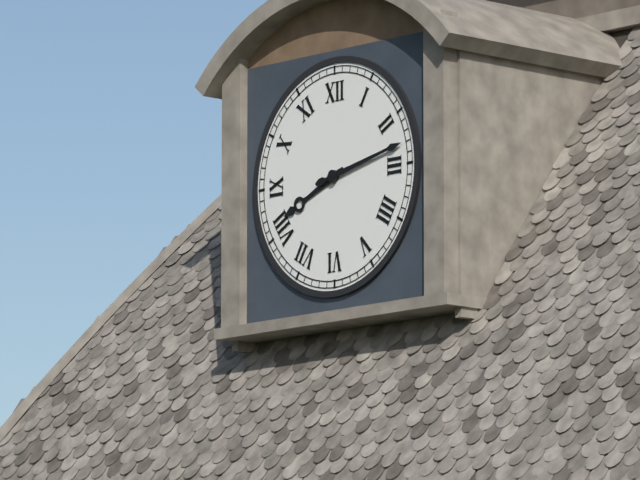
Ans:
8 h 13 min
